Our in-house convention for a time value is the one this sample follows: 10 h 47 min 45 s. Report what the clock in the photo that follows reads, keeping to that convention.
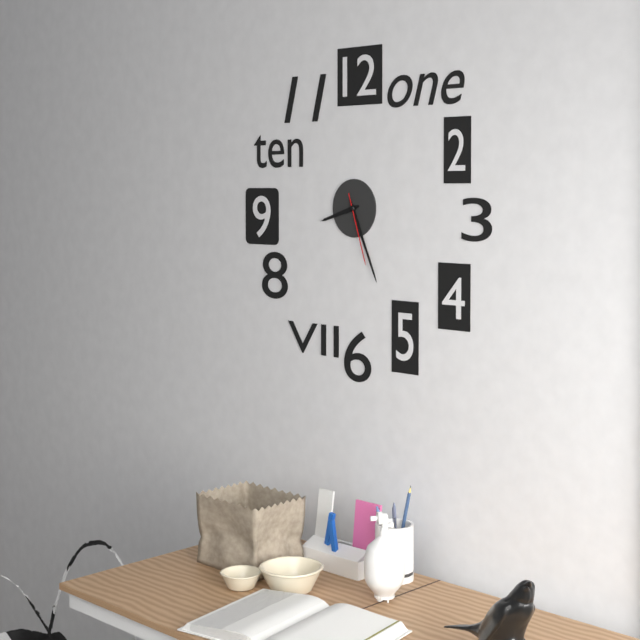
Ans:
8 h 26 min 27 s
